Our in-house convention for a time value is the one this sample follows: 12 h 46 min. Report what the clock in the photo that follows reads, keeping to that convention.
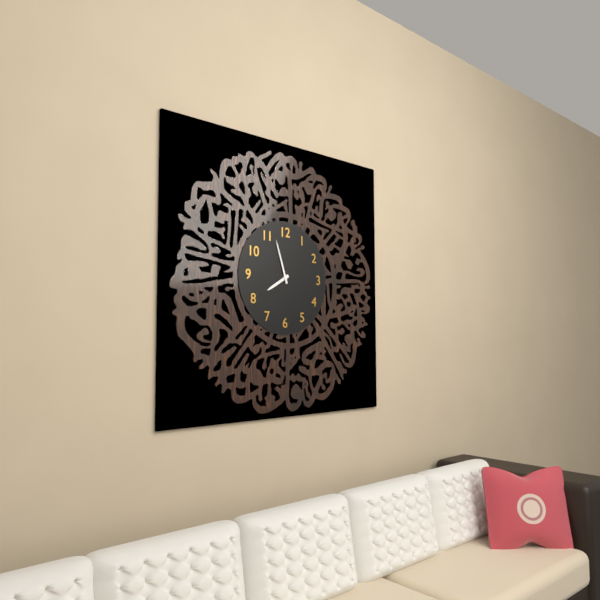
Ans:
7 h 57 min
